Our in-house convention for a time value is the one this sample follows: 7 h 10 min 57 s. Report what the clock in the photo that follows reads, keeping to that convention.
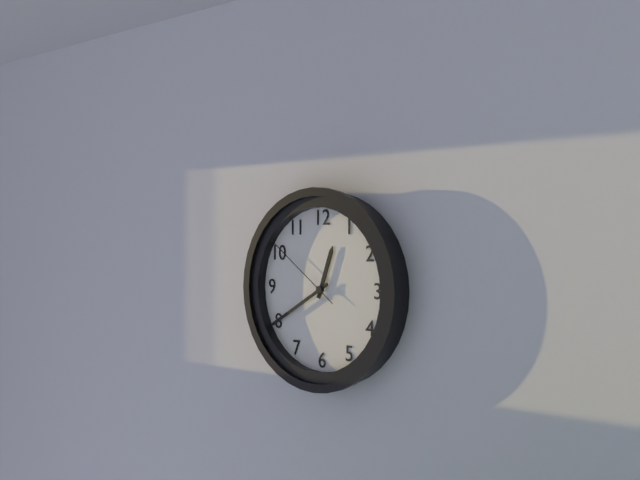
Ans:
12 h 40 min 51 s
